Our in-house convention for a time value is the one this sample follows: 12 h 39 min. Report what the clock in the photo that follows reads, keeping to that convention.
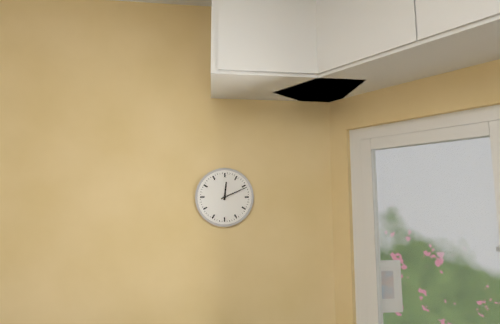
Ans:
12 h 11 min
